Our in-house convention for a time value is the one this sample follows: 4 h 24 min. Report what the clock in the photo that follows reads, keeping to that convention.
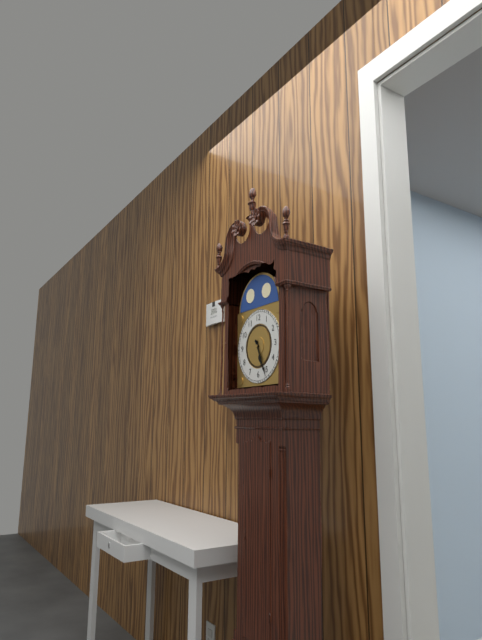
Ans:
5 h 26 min
